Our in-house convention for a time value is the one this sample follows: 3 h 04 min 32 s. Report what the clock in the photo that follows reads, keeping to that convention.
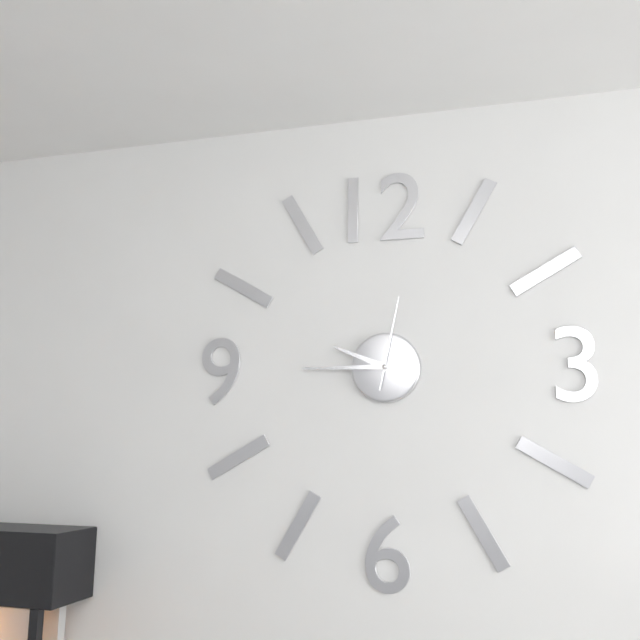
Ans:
9 h 45 min 02 s
